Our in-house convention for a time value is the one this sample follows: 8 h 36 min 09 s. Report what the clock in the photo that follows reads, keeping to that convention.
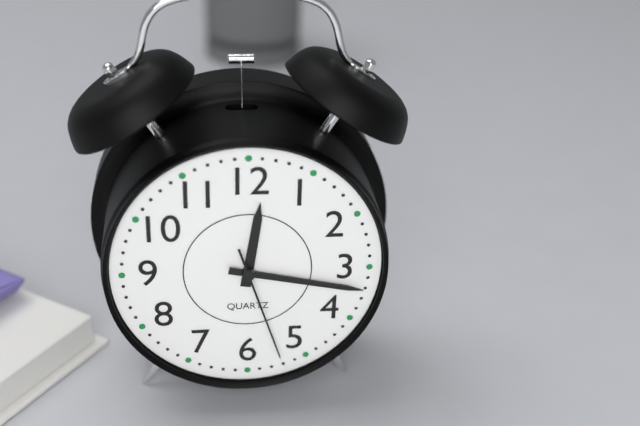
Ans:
12 h 17 min 27 s
